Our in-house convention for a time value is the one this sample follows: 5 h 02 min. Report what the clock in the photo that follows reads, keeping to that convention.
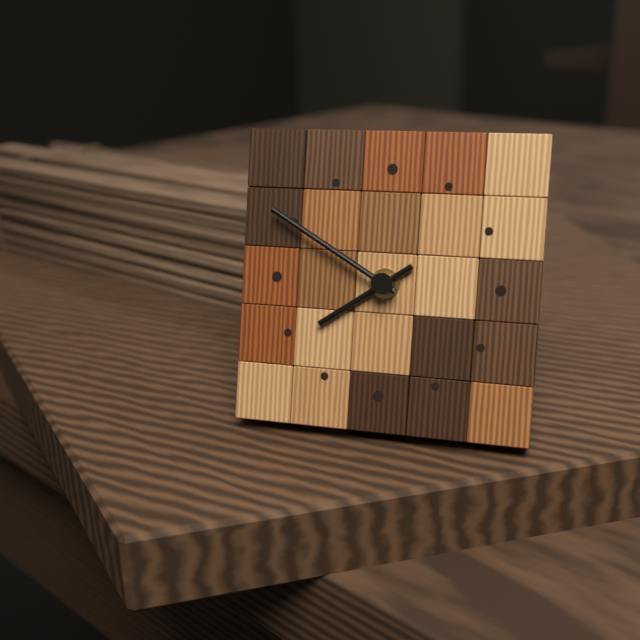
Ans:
7 h 50 min
